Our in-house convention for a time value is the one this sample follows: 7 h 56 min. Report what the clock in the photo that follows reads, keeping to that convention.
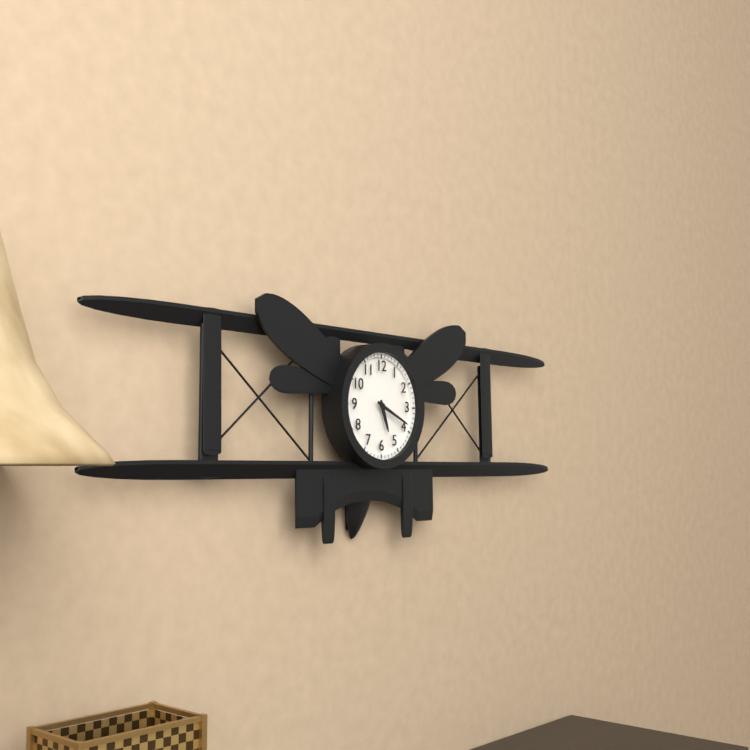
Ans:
5 h 19 min
